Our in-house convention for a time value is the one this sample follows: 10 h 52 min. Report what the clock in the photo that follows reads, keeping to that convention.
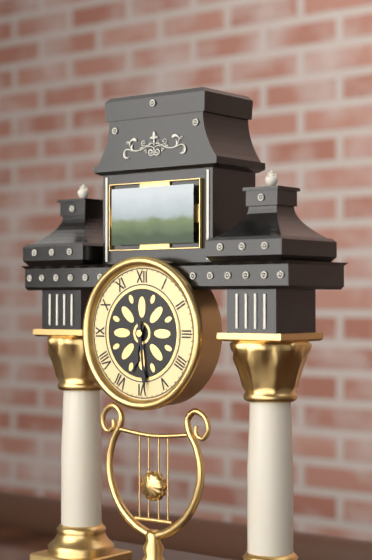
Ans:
6 h 29 min
